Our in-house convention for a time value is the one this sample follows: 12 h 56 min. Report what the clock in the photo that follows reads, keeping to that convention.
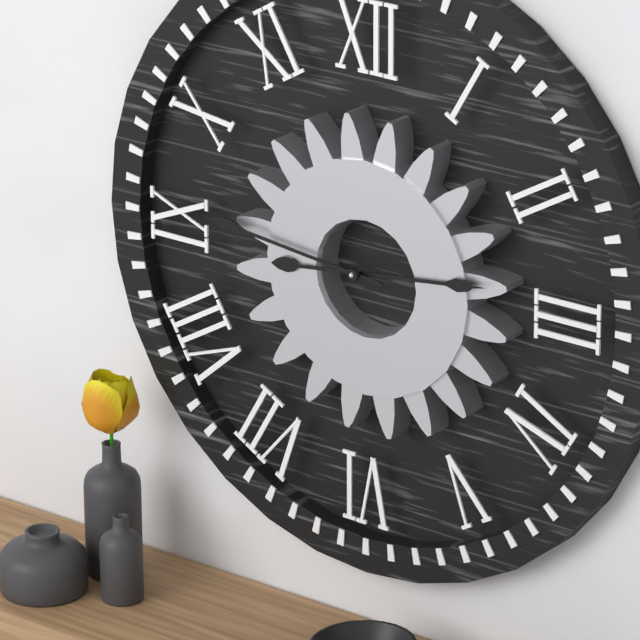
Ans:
2 h 46 min
